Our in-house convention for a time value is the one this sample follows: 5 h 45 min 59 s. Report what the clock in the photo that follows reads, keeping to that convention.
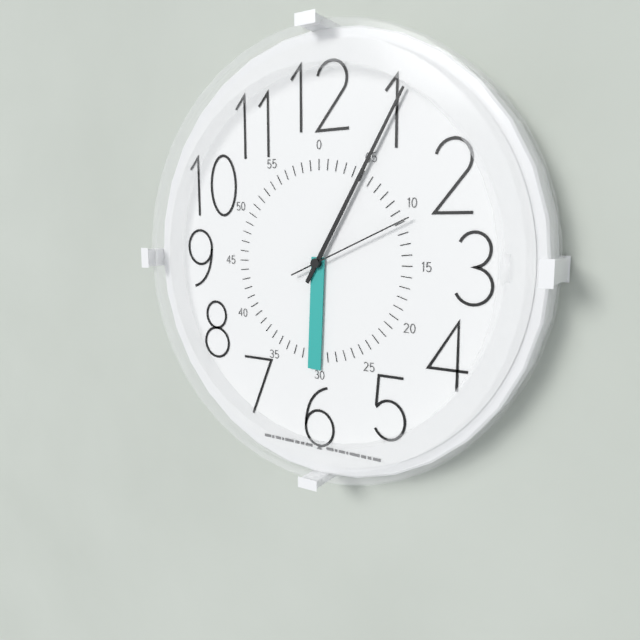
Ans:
6 h 05 min 11 s
